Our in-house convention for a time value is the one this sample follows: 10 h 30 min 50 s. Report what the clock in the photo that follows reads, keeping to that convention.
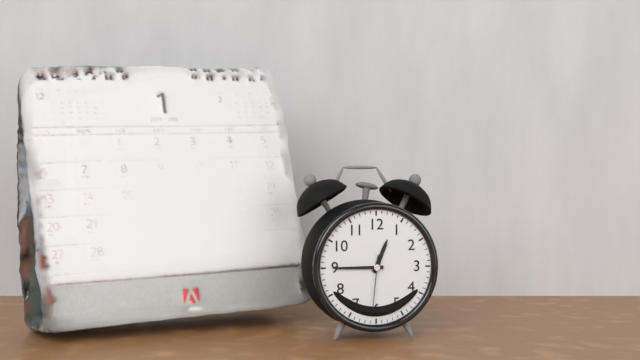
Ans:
12 h 45 min 31 s
